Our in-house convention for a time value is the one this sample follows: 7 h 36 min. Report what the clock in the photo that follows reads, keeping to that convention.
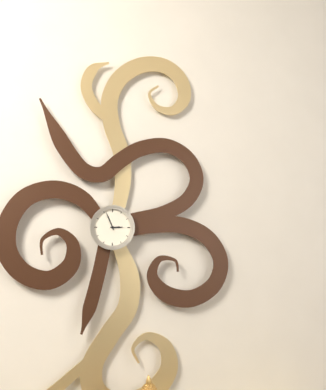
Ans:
2 h 56 min
